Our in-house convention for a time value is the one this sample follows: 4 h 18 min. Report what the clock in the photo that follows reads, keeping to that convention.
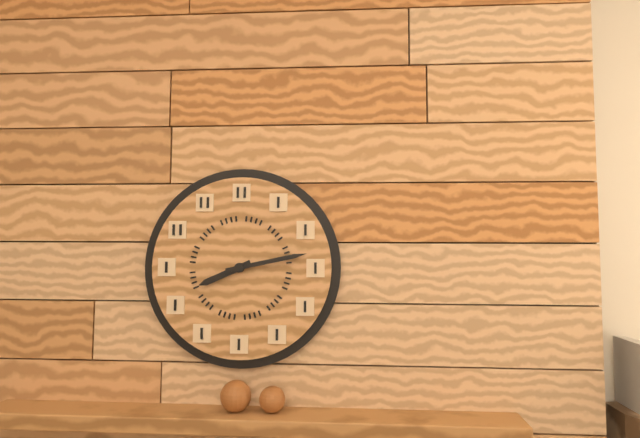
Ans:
8 h 13 min
